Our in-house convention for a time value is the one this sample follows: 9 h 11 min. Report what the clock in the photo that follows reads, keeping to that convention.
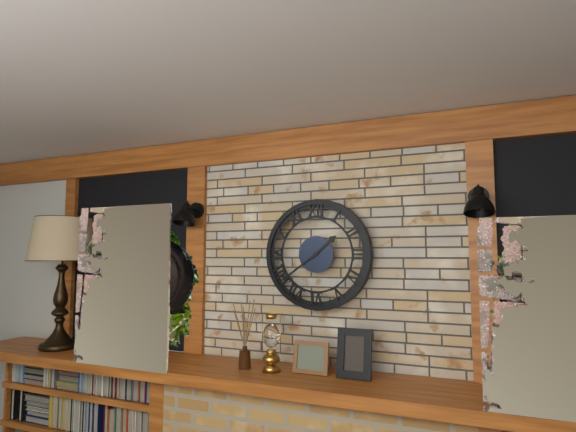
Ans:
1 h 39 min
